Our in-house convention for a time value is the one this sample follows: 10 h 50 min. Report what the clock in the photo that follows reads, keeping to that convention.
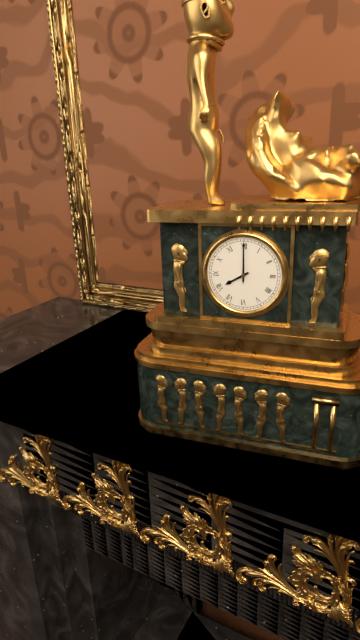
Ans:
8 h 00 min
